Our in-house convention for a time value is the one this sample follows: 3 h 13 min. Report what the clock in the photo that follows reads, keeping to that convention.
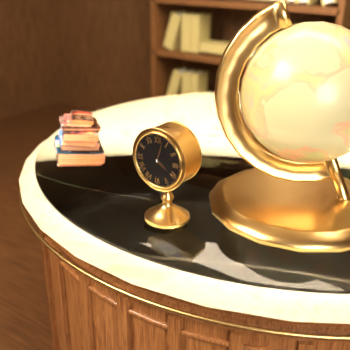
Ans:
4 h 03 min
